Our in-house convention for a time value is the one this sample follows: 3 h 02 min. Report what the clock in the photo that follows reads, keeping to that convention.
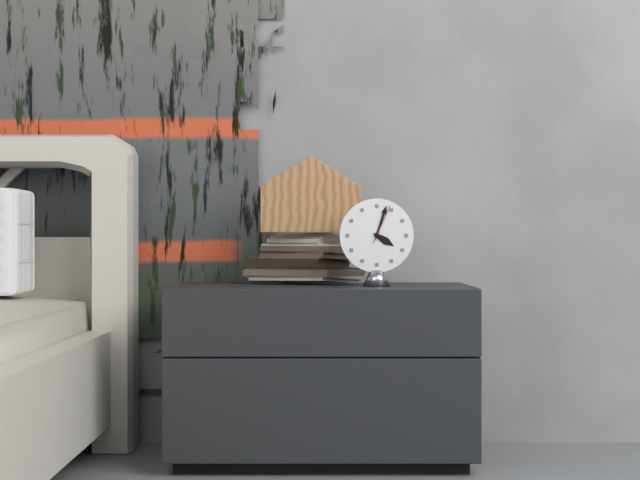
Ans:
4 h 03 min
